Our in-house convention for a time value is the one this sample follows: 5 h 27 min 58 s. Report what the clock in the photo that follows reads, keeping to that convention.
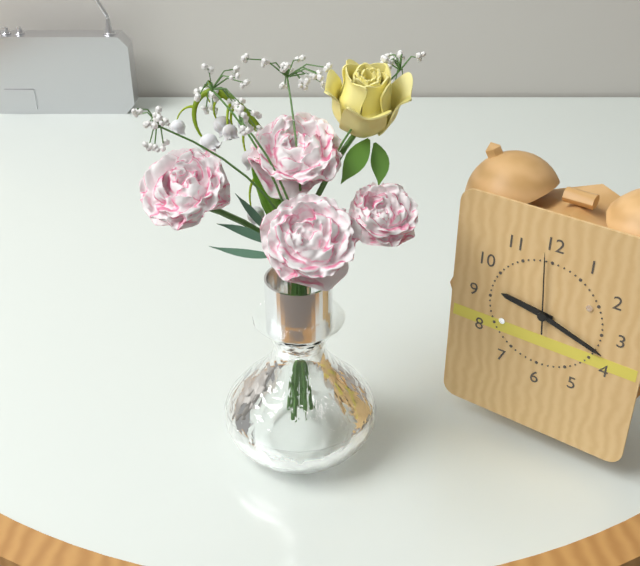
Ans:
9 h 18 min 59 s
